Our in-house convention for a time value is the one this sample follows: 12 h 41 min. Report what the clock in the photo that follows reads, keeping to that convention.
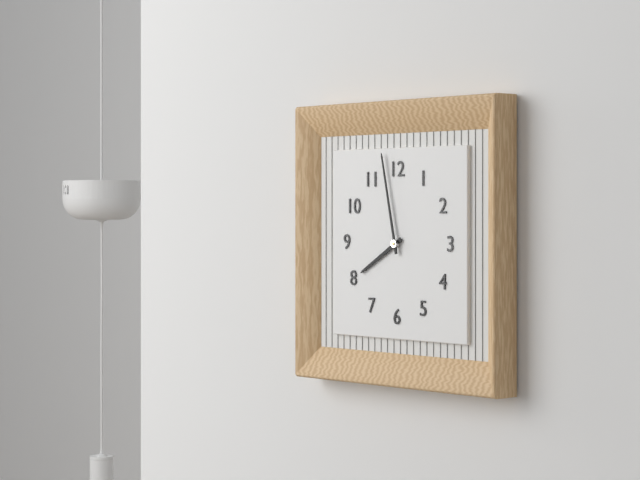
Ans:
7 h 58 min
